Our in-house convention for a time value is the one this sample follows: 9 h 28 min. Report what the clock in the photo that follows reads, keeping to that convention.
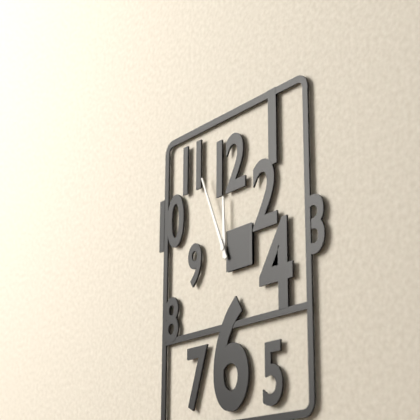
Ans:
11 h 56 min
